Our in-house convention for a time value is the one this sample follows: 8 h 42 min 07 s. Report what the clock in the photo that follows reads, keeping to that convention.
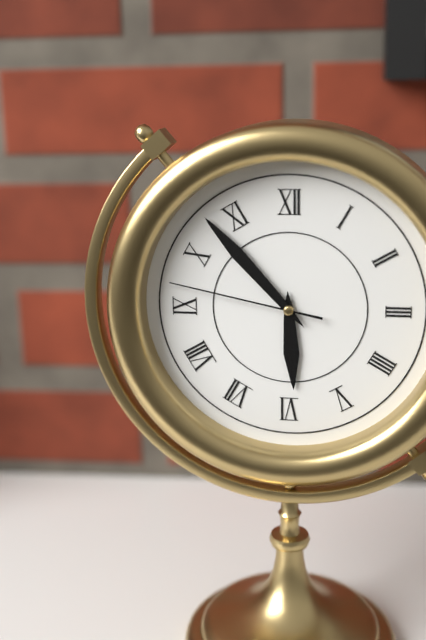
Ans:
5 h 53 min 47 s
